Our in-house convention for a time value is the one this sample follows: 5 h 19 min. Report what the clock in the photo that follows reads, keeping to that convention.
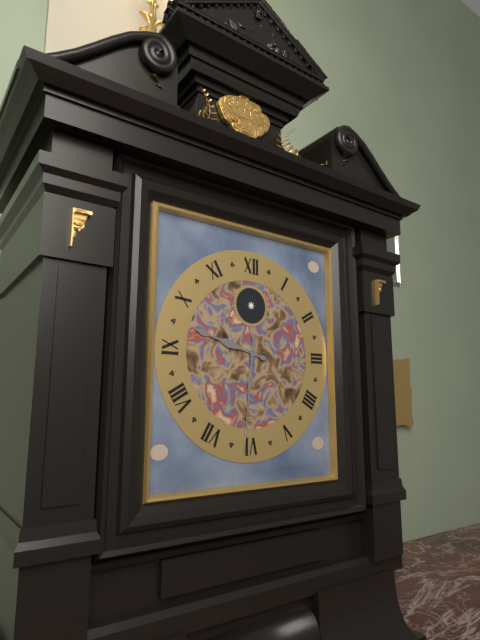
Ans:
9 h 31 min
